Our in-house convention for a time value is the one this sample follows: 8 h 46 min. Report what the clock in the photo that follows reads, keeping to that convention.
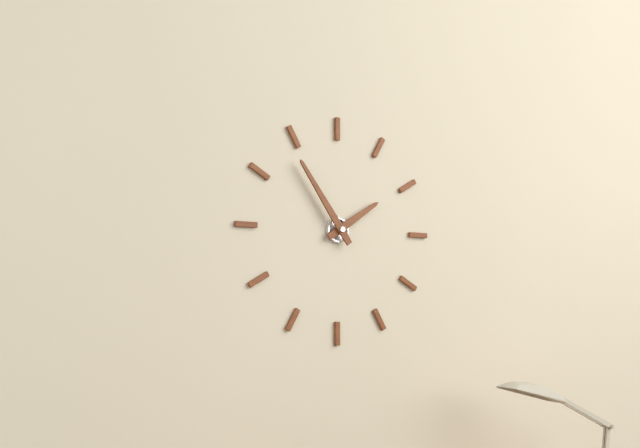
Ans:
1 h 54 min
